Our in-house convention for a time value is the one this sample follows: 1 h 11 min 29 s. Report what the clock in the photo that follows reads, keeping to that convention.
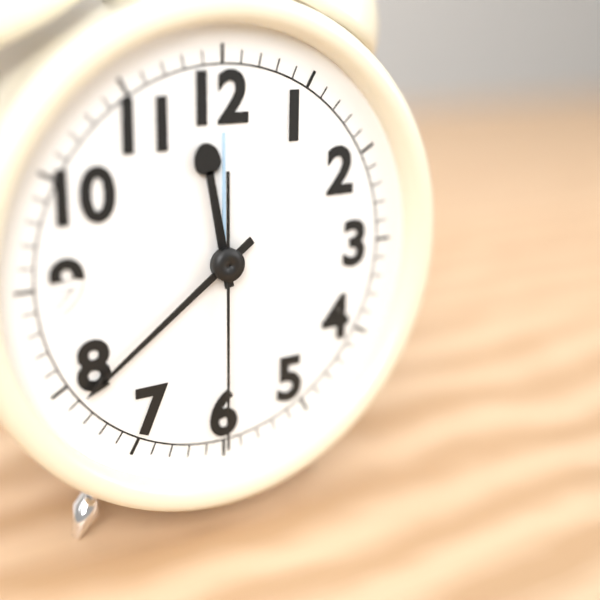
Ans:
11 h 39 min 30 s
